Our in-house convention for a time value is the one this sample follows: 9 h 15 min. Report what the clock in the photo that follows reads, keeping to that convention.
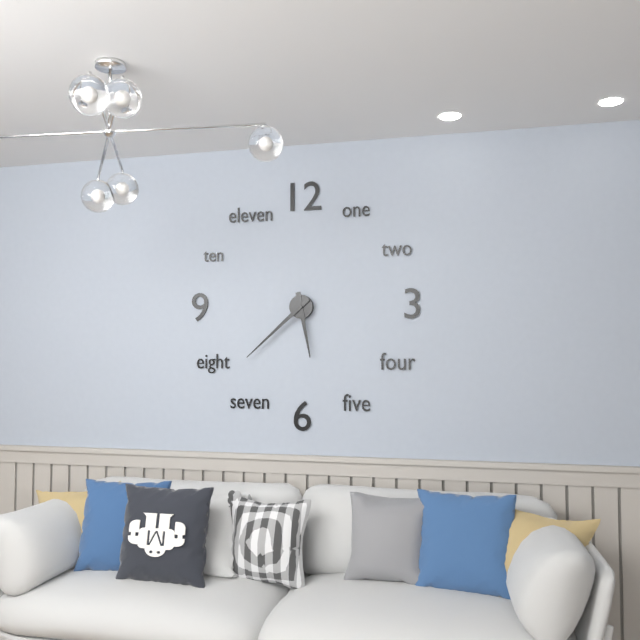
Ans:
5 h 38 min
